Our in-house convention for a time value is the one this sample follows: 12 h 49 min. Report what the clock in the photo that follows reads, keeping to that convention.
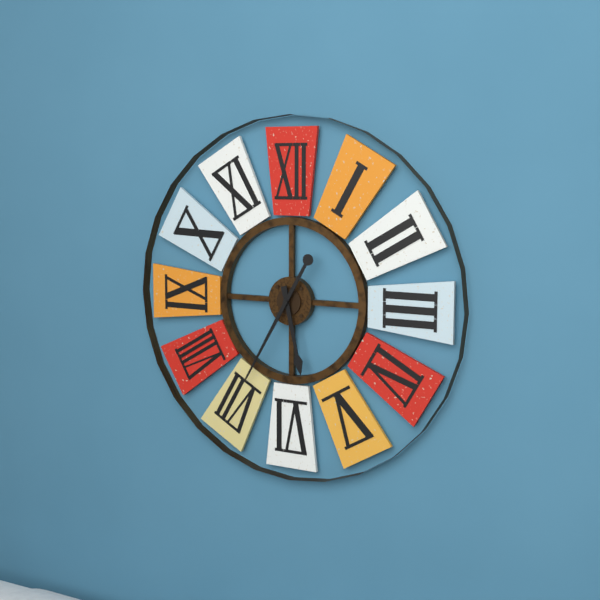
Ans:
5 h 35 min
